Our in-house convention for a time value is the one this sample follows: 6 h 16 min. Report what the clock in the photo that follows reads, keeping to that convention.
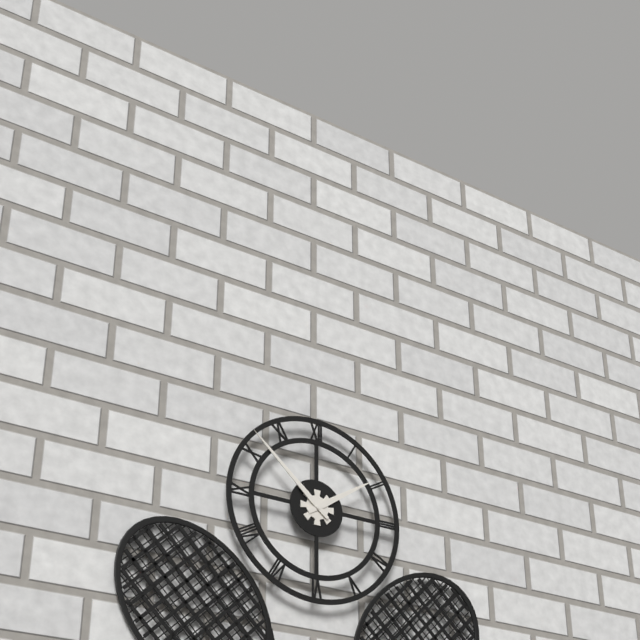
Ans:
1 h 52 min
